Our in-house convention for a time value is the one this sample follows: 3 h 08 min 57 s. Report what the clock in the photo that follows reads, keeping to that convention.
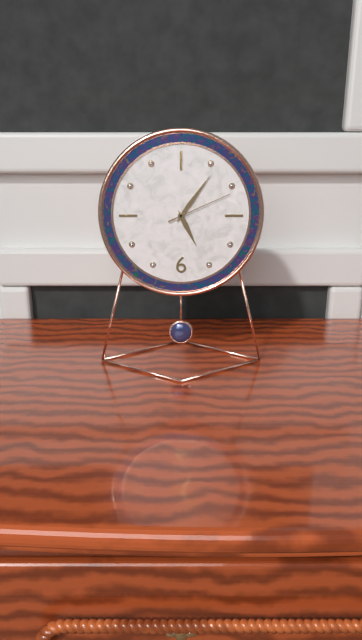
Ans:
5 h 06 min 11 s
